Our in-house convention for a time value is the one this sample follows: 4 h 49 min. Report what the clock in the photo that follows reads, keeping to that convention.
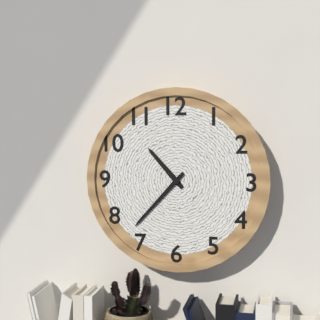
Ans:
10 h 37 min
